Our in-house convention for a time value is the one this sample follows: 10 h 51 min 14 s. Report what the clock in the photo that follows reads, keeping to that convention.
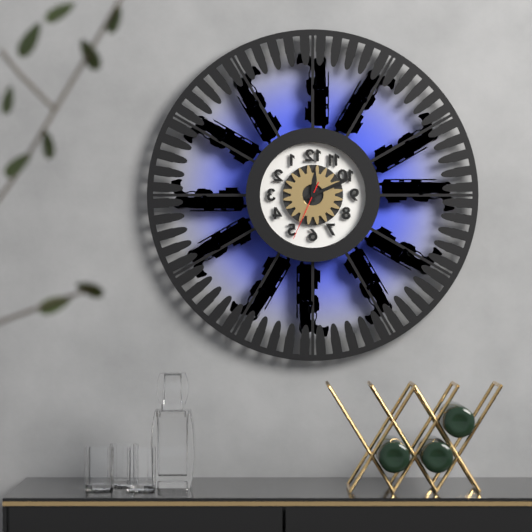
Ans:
12 h 11 min 34 s
